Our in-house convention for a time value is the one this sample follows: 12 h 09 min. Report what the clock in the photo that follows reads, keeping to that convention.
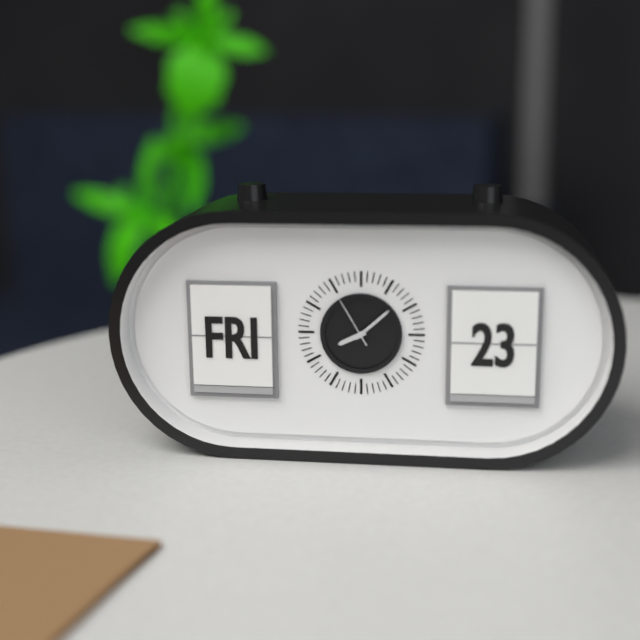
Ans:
8 h 08 min
